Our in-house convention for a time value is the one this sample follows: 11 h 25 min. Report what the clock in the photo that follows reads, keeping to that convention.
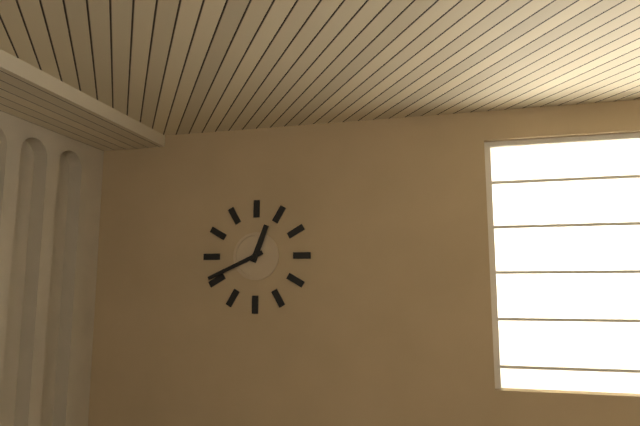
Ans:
12 h 41 min
